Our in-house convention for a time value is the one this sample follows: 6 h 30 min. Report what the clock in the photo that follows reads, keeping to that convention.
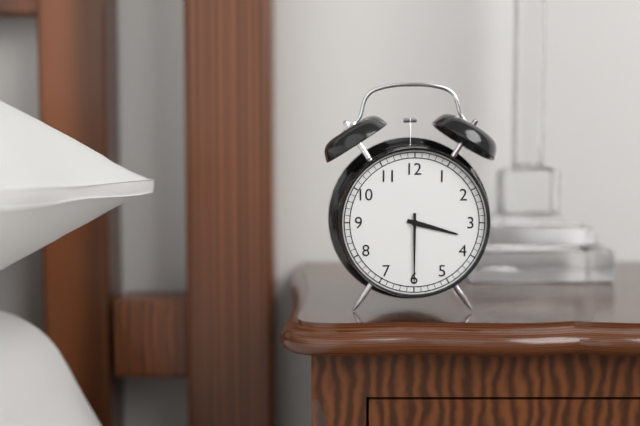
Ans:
3 h 30 min
